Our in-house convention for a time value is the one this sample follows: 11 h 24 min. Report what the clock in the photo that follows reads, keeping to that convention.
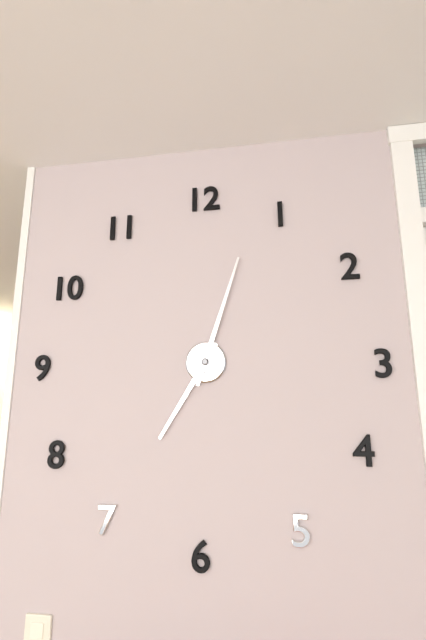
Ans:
7 h 03 min
